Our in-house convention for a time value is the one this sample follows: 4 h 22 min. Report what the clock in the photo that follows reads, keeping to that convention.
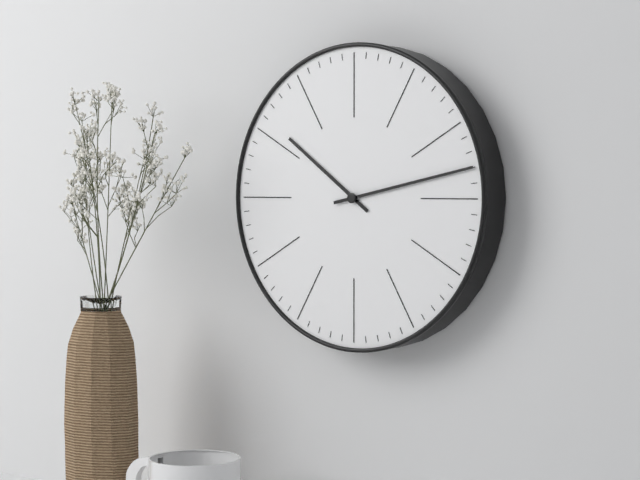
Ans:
10 h 13 min
